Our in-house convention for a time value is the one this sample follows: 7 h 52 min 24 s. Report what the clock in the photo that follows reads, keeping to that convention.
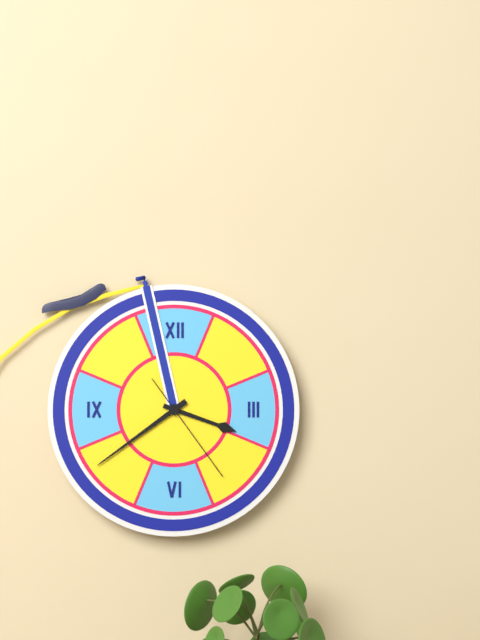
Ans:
3 h 39 min 24 s
